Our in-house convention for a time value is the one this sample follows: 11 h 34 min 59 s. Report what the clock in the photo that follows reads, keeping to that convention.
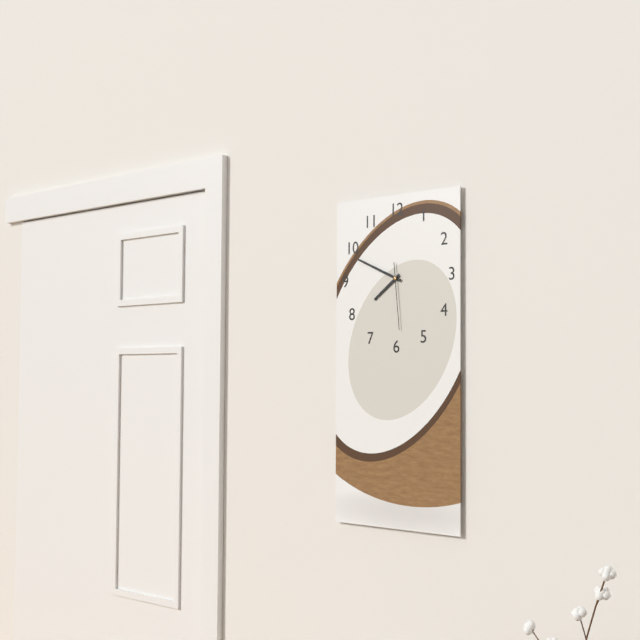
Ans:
7 h 49 min 29 s
